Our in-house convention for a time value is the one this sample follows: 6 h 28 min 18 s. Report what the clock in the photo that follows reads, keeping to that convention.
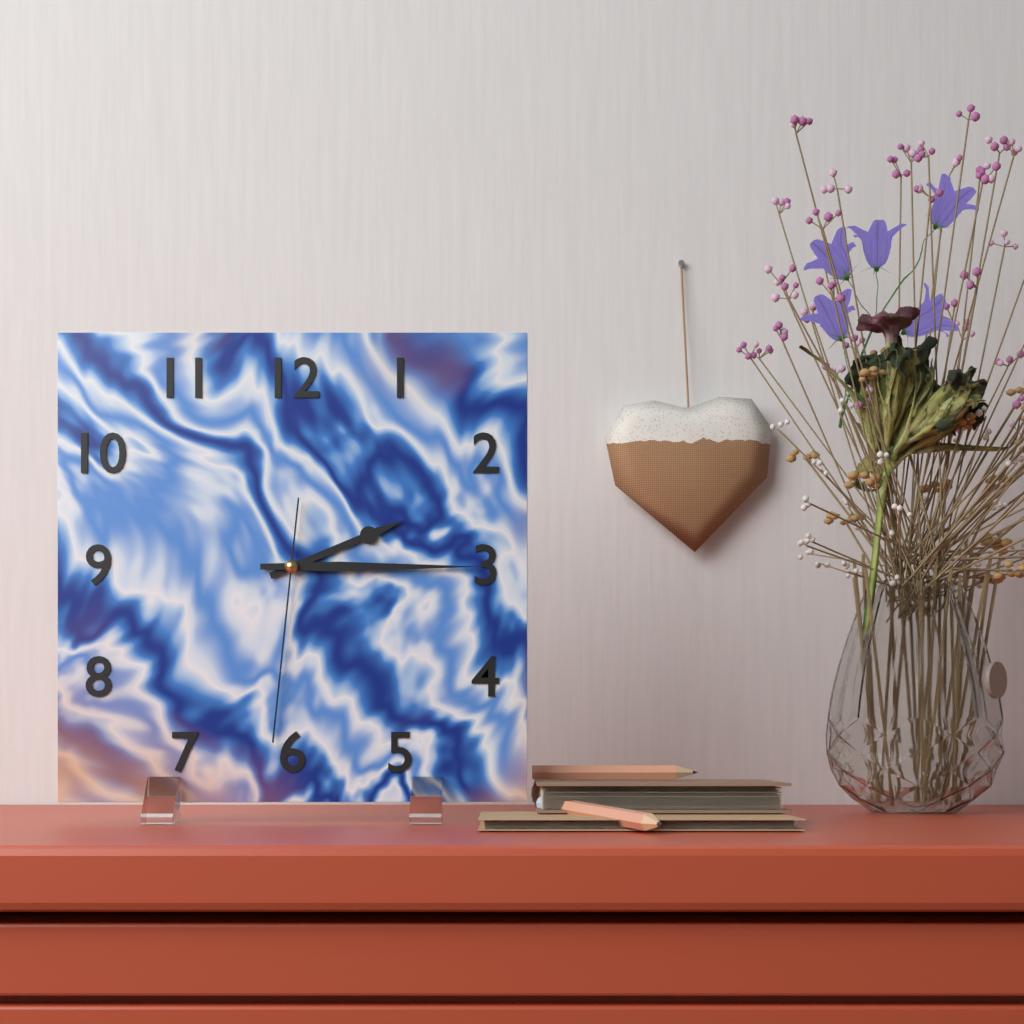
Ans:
2 h 15 min 31 s
